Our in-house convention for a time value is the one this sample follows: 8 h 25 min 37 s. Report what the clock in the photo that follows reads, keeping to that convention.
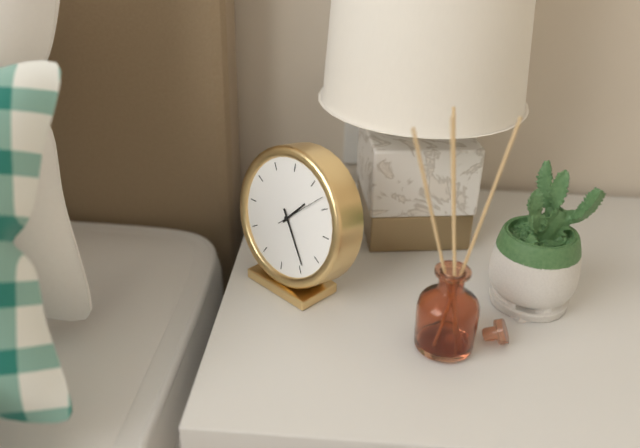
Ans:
1 h 24 min 08 s
